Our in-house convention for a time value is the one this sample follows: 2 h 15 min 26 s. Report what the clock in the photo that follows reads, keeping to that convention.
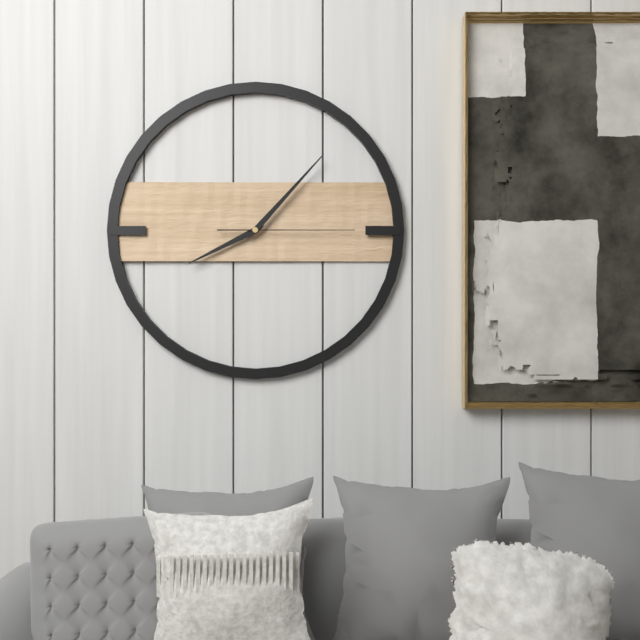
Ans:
8 h 07 min 15 s
